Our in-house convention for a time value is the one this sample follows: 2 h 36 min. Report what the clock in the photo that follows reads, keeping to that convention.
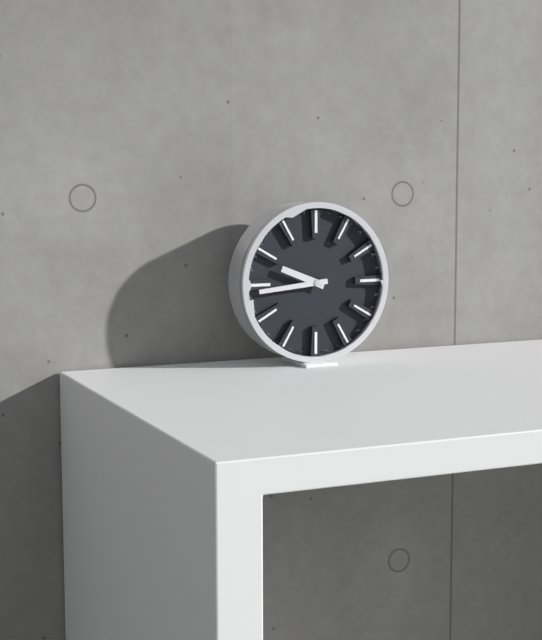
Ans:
9 h 44 min
